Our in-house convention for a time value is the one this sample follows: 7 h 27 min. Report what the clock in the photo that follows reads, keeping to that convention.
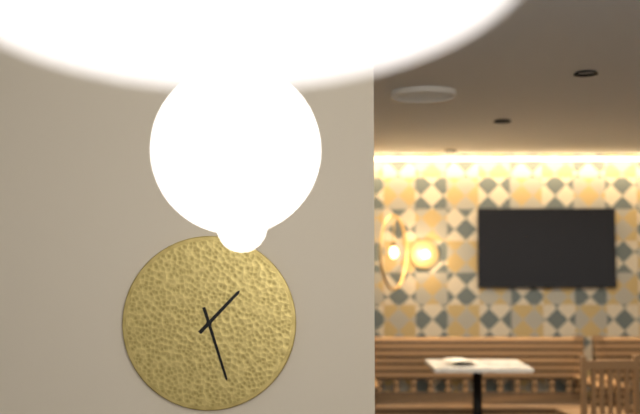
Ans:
1 h 27 min
